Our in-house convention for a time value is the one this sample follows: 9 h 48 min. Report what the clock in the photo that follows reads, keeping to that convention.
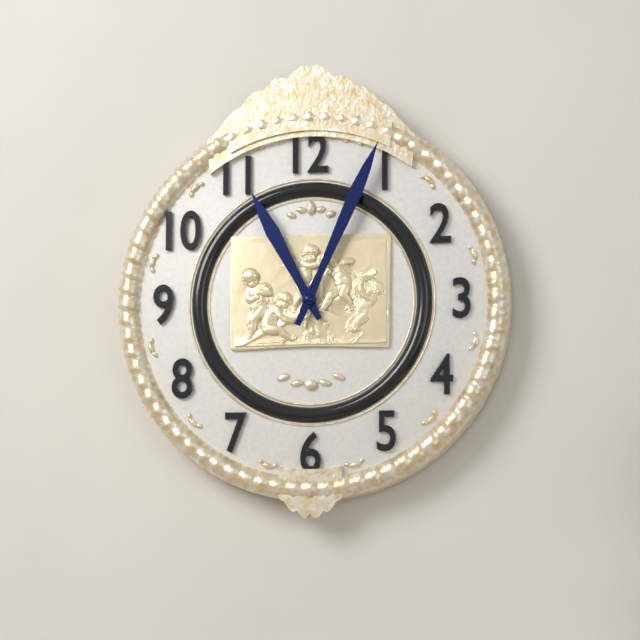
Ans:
11 h 04 min
